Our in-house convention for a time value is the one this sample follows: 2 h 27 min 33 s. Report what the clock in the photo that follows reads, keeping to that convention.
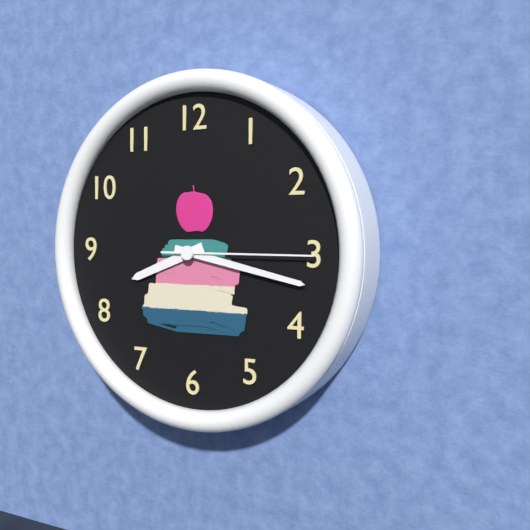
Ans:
8 h 17 min 15 s
